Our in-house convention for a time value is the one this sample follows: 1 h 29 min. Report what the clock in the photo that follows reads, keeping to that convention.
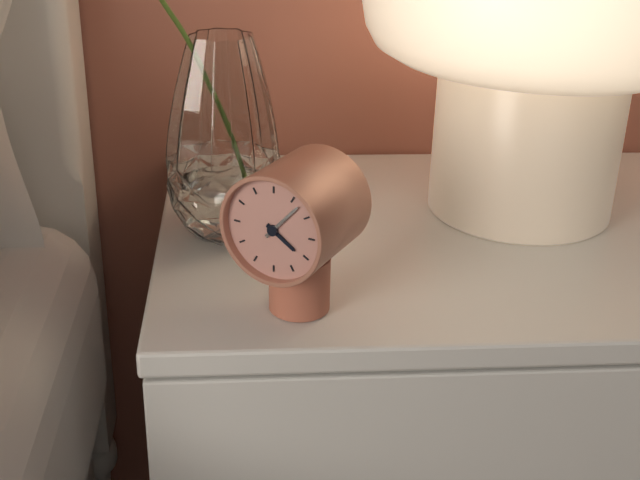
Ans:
4 h 07 min
